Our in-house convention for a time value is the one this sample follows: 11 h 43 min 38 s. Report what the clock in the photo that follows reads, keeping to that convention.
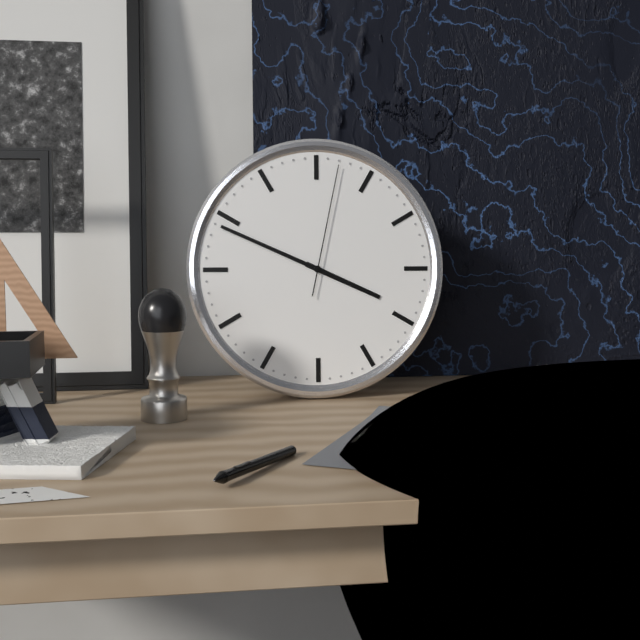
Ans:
3 h 49 min 02 s
